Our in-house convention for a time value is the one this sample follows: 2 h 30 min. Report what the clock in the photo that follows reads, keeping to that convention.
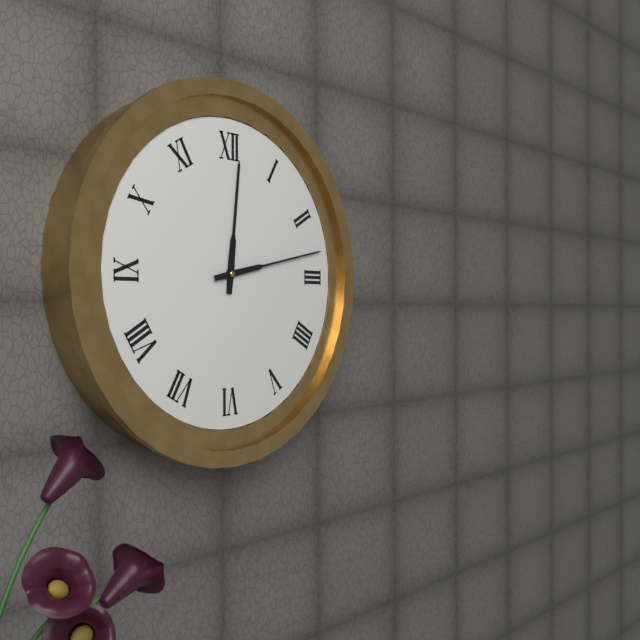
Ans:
12 h 13 min
